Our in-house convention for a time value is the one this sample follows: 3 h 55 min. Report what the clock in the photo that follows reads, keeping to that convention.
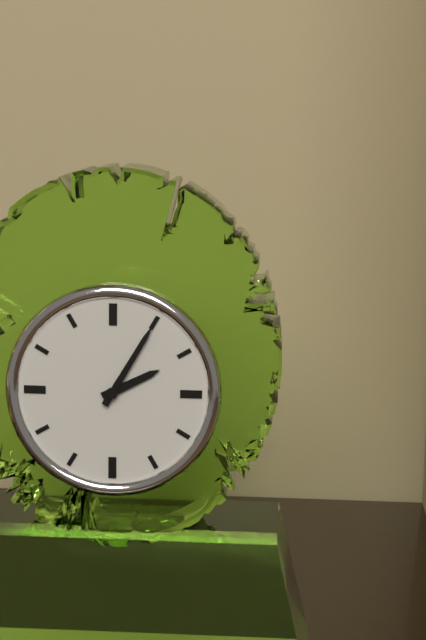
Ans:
2 h 05 min
